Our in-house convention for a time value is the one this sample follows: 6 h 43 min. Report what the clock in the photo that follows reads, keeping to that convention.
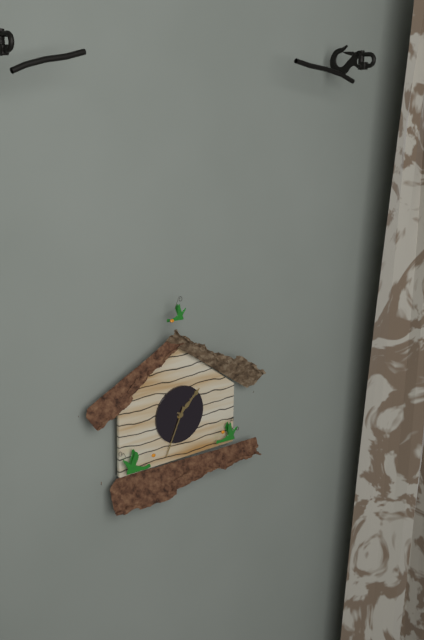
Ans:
1 h 34 min
